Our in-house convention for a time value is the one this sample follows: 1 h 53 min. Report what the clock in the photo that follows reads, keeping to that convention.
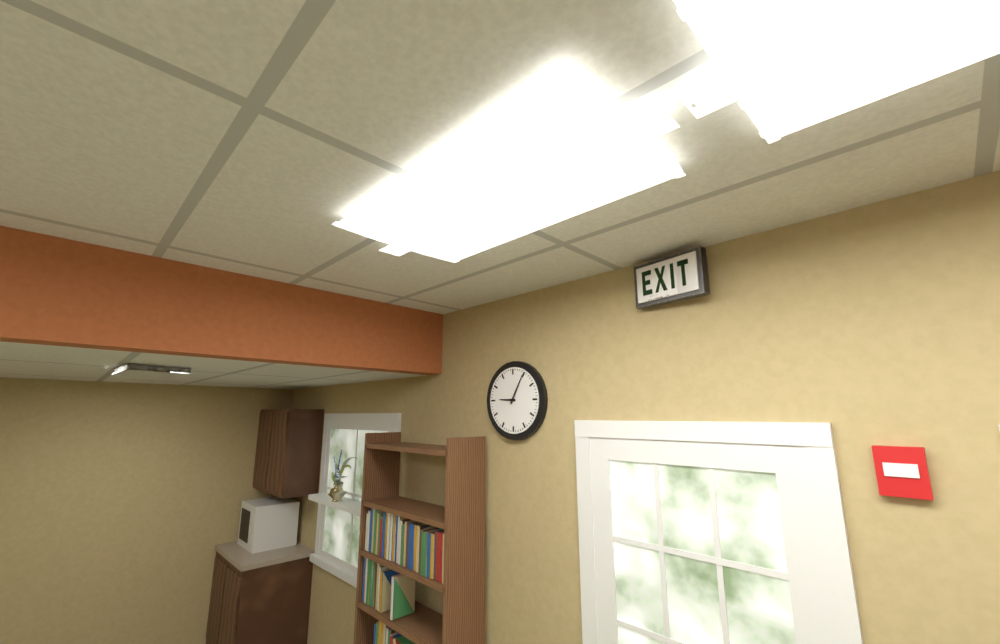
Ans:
9 h 05 min
